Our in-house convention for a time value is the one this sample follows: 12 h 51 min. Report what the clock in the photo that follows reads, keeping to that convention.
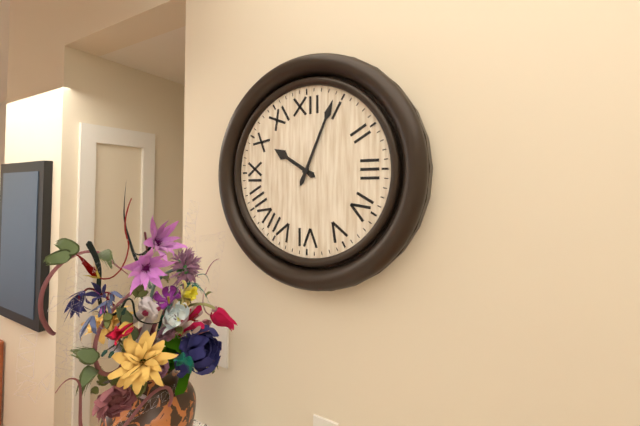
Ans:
10 h 04 min
